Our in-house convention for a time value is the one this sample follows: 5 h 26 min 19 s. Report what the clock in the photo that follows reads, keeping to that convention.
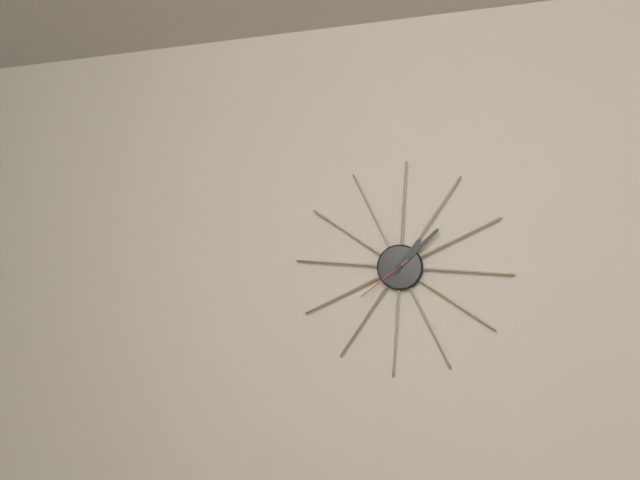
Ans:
1 h 07 min 38 s
